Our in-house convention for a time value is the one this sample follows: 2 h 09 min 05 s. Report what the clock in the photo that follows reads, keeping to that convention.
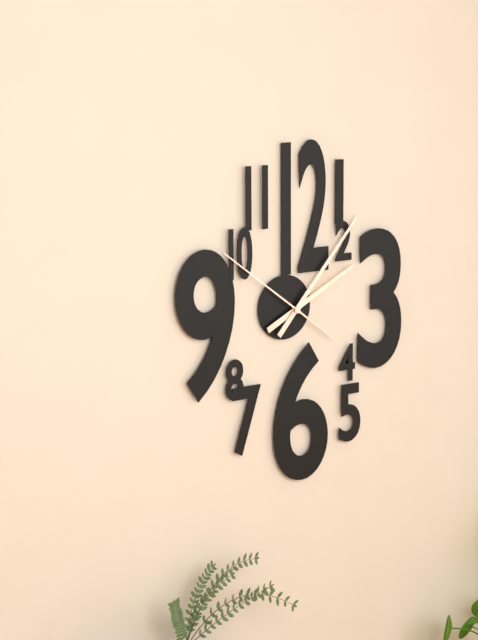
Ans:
2 h 07 min 51 s
